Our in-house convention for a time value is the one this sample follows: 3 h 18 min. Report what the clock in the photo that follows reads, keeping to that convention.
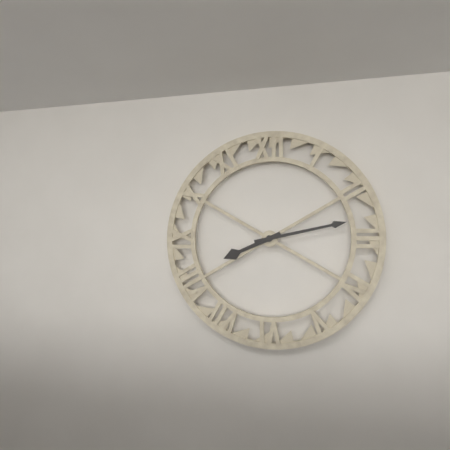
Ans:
8 h 13 min
